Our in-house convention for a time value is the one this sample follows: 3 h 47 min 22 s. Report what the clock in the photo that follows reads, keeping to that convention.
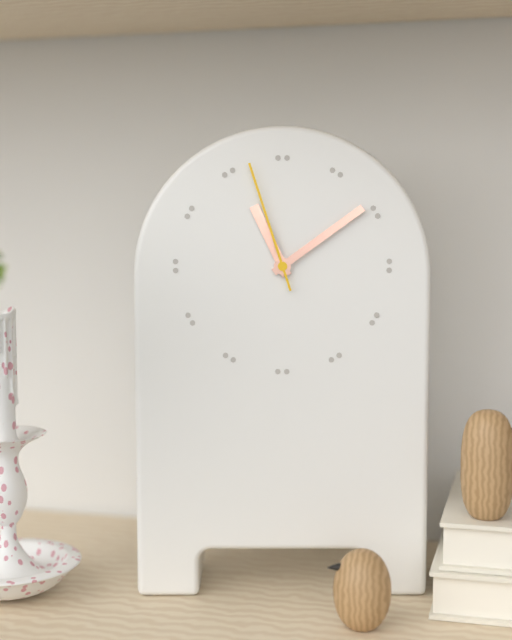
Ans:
11 h 09 min 57 s
